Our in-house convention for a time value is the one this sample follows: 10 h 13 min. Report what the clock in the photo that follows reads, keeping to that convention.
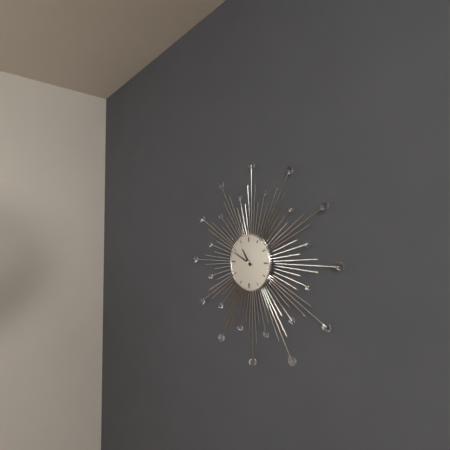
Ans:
10 h 49 min
